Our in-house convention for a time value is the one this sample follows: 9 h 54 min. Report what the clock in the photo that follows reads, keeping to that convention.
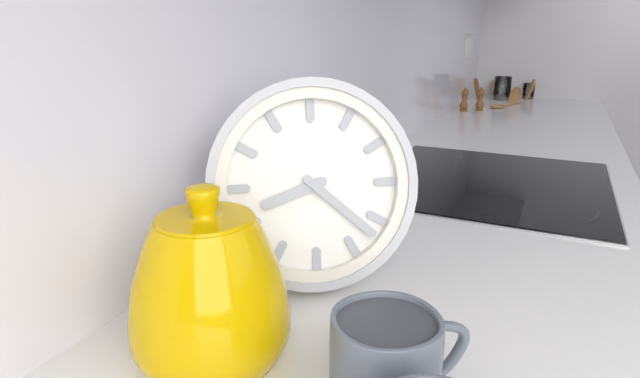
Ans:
8 h 22 min
